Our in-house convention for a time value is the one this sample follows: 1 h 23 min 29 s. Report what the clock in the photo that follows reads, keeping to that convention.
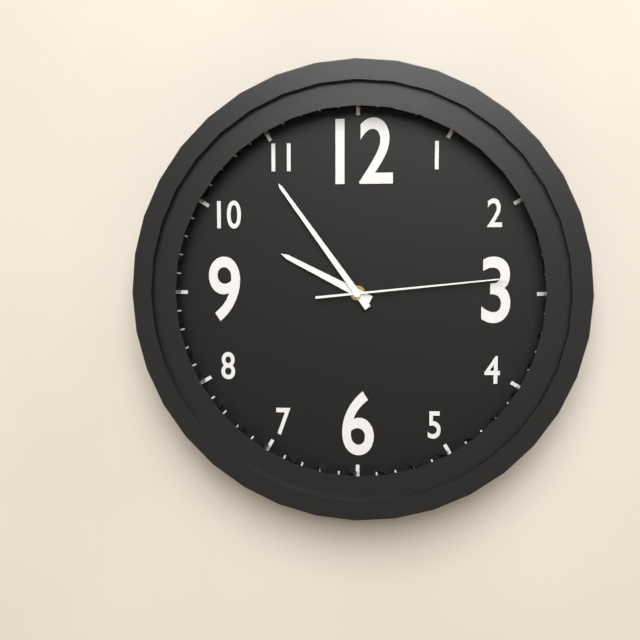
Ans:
9 h 54 min 14 s
